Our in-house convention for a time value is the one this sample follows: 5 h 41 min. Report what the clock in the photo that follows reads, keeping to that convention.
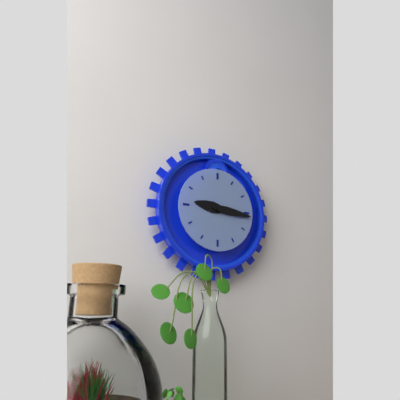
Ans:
9 h 16 min
